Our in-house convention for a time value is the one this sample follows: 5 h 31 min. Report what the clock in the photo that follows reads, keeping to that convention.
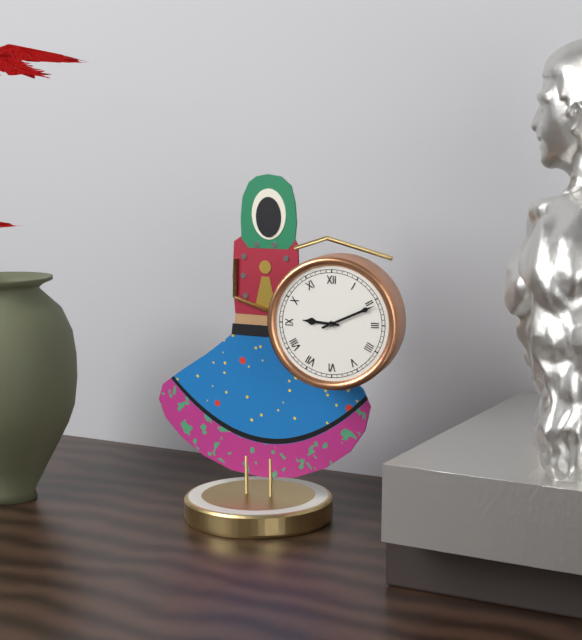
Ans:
9 h 11 min
